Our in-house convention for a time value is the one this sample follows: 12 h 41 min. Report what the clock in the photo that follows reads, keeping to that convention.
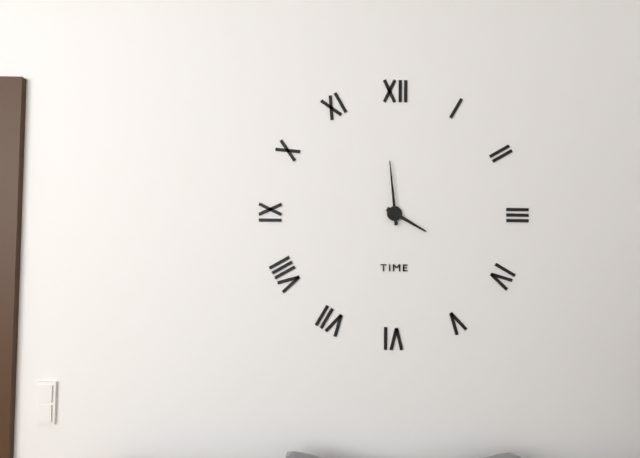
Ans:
3 h 59 min
